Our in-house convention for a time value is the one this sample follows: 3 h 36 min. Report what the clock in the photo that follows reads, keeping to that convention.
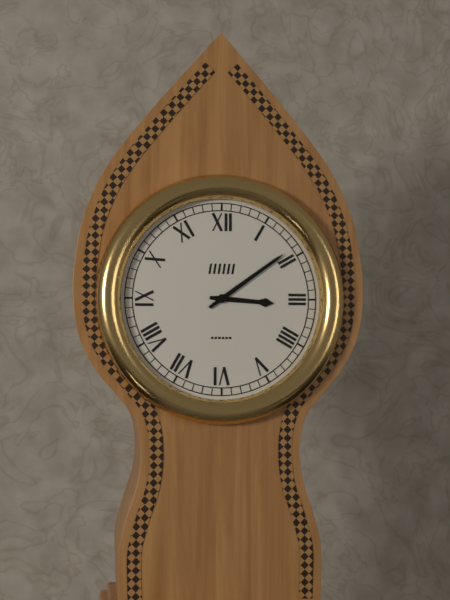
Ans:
3 h 09 min
